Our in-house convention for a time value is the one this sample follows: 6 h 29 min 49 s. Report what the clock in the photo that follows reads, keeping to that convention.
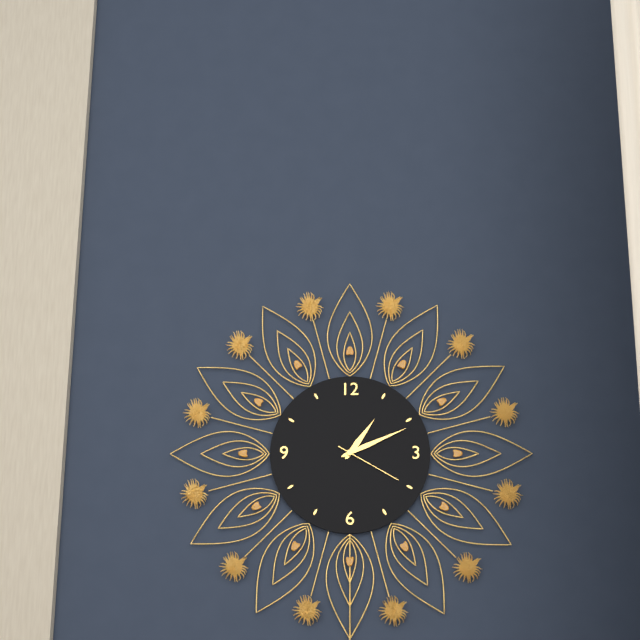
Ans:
1 h 11 min 20 s
